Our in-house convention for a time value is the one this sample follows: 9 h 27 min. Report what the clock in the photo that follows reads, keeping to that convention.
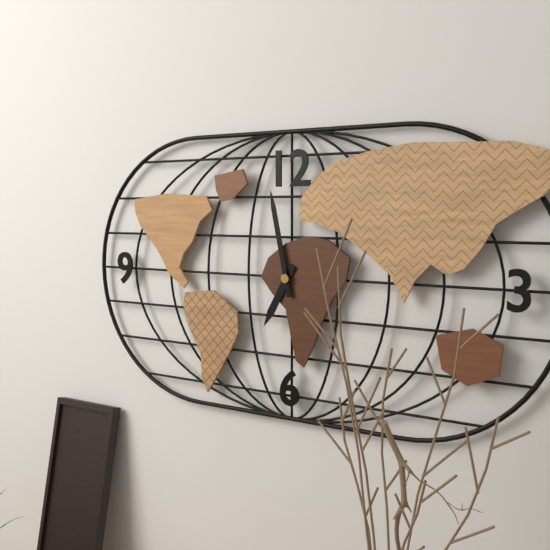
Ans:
6 h 58 min
